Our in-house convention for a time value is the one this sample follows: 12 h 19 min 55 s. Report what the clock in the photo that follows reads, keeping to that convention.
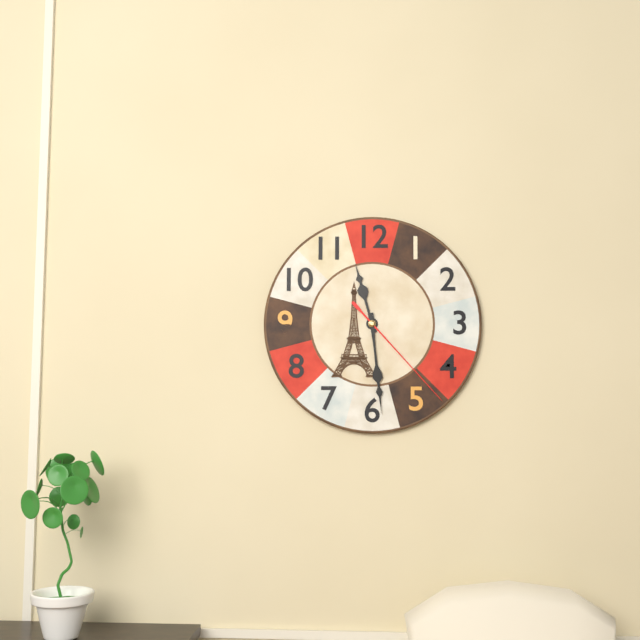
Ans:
11 h 29 min 23 s
